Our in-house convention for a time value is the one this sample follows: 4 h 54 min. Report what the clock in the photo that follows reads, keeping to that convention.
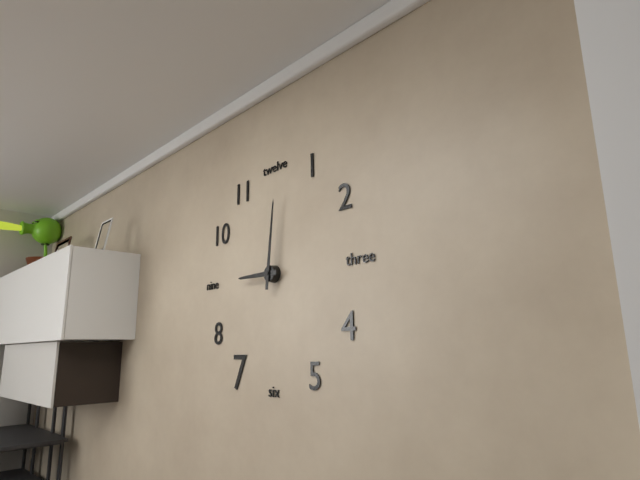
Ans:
9 h 01 min
